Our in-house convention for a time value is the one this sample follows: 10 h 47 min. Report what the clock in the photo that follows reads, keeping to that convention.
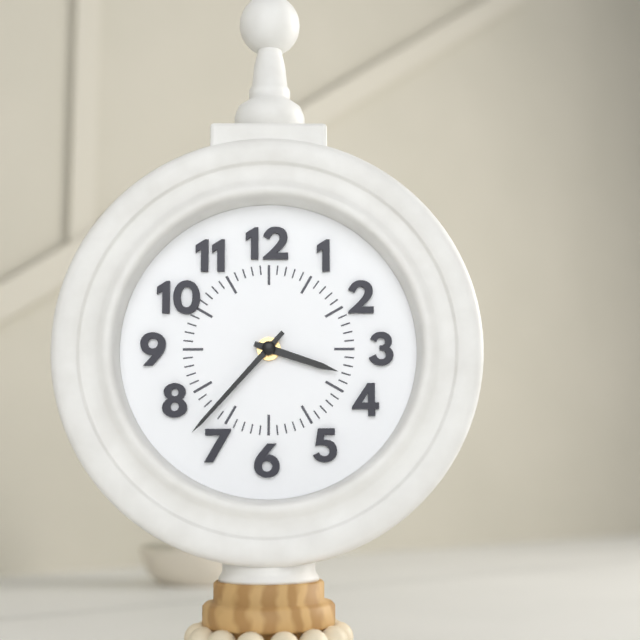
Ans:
3 h 37 min
